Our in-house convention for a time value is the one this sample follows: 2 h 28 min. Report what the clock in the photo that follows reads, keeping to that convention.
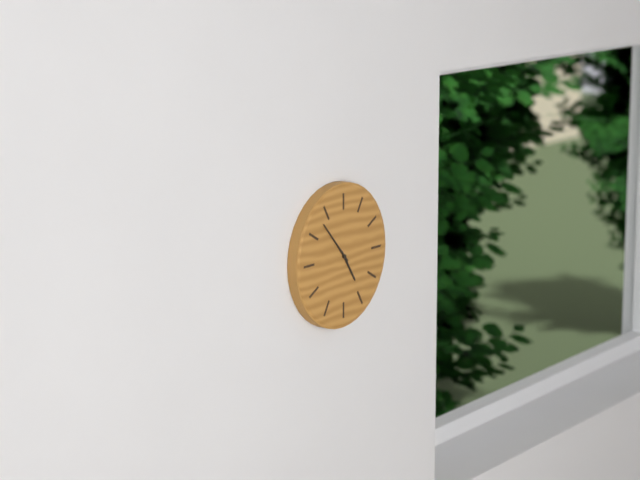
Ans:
4 h 53 min
